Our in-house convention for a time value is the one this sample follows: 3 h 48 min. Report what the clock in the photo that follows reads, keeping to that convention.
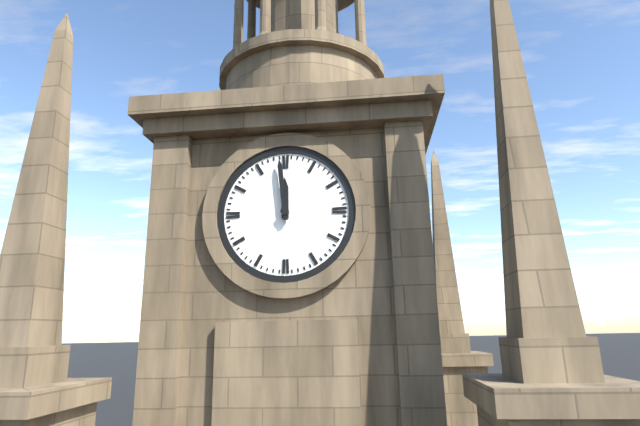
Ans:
11 h 59 min
